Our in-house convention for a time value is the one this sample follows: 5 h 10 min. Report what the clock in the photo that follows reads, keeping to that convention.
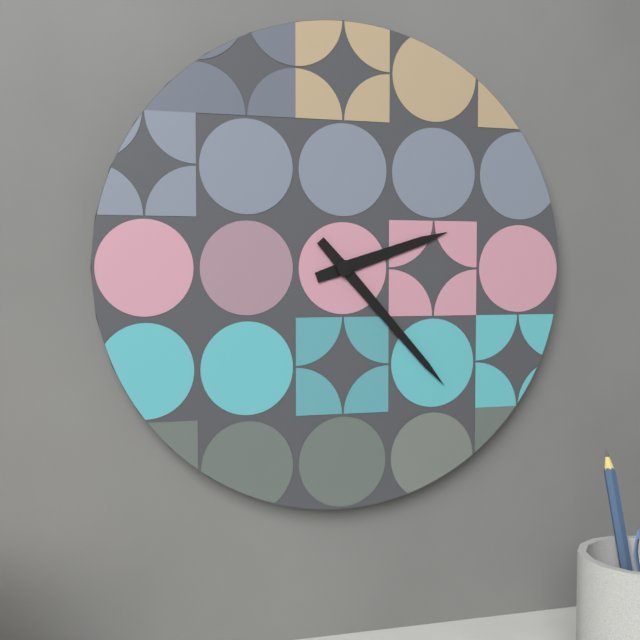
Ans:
2 h 23 min
